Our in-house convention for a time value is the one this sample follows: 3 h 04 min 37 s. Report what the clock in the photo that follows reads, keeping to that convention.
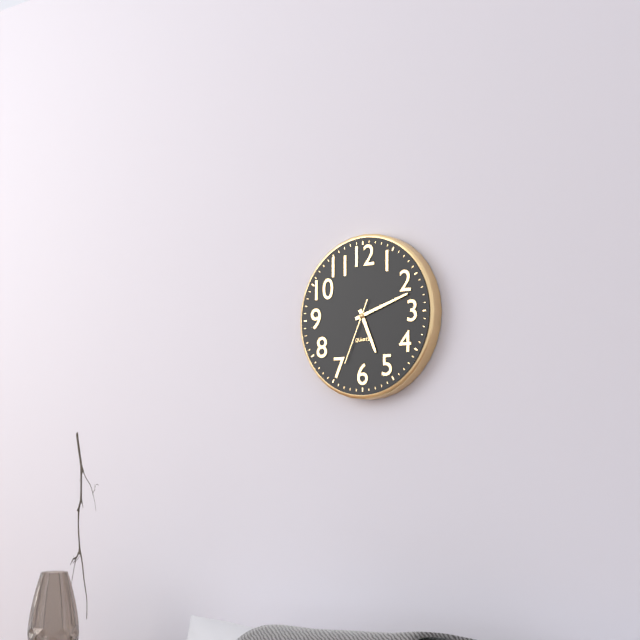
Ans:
5 h 12 min 34 s
